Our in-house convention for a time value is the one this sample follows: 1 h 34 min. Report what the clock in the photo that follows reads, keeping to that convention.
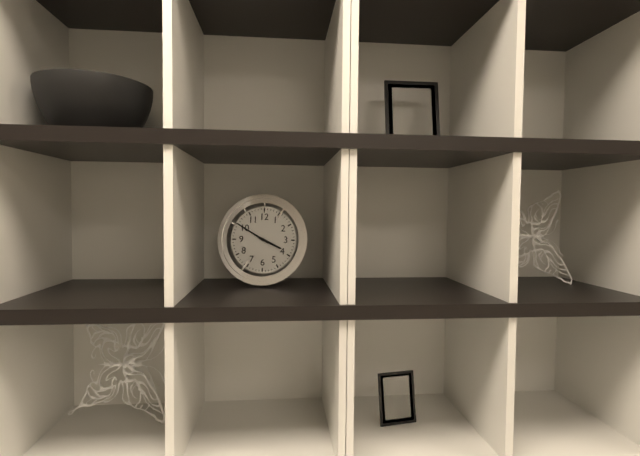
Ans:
3 h 50 min
